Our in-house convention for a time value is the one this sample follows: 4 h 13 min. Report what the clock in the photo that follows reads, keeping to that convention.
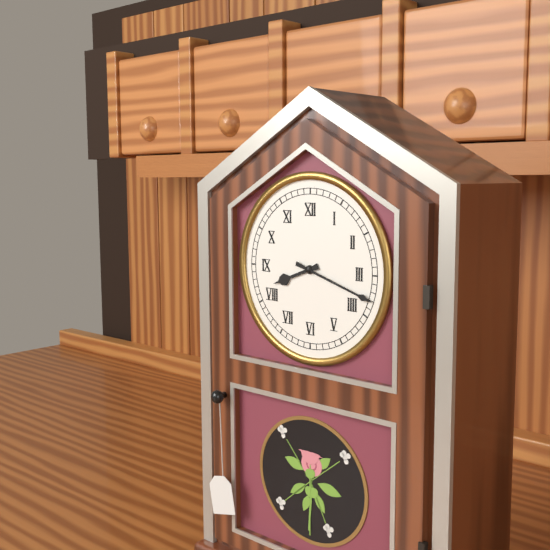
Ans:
8 h 18 min
